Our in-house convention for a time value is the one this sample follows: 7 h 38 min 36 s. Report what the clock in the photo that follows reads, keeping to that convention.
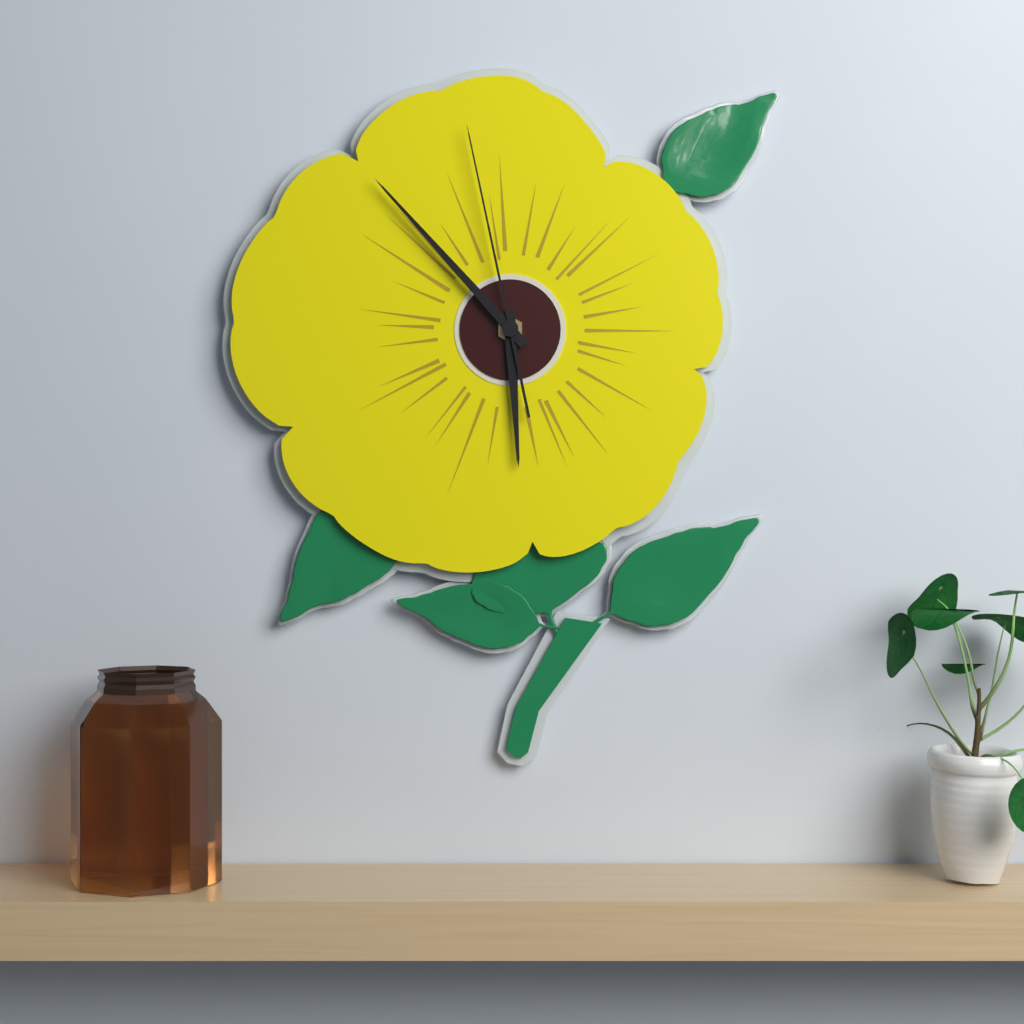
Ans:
5 h 53 min 58 s
